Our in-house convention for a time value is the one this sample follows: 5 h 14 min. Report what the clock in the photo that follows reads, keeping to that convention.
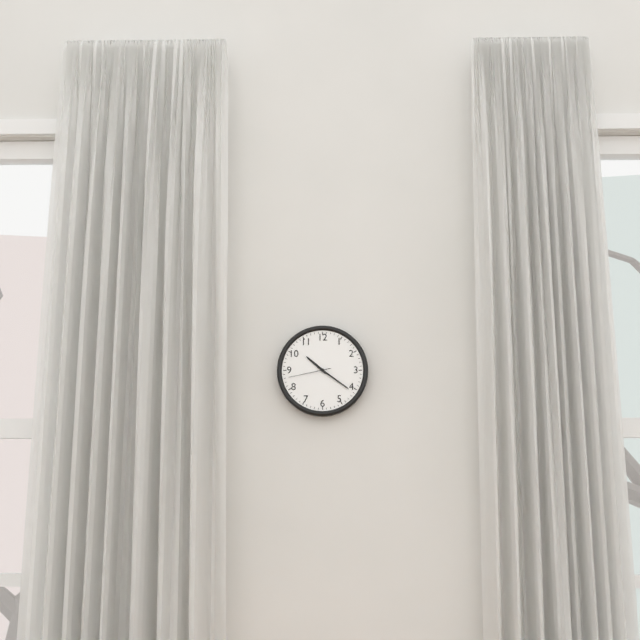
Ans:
10 h 21 min
